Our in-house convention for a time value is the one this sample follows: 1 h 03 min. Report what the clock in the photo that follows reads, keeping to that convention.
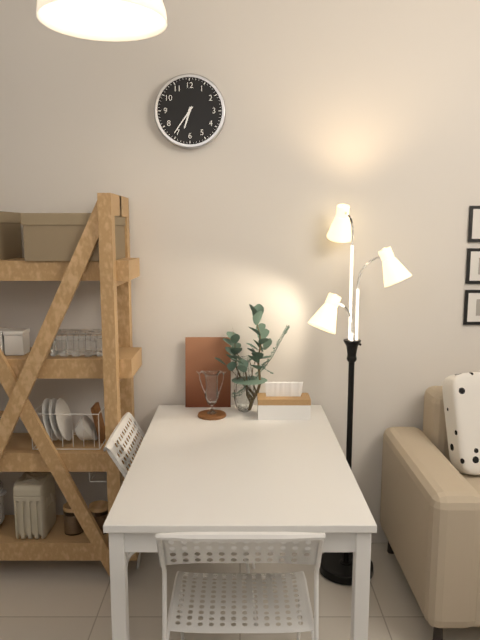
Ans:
6 h 36 min
